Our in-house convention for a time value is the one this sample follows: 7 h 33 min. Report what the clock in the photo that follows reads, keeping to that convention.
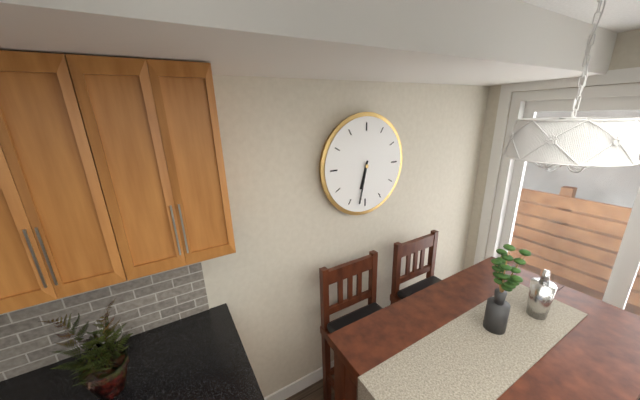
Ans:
6 h 32 min
